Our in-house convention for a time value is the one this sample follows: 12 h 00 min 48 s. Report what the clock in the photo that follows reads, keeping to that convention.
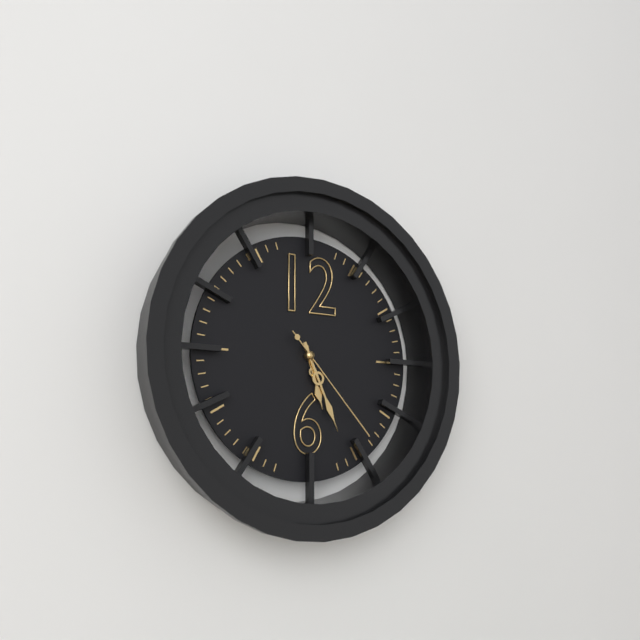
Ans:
5 h 26 min 23 s
